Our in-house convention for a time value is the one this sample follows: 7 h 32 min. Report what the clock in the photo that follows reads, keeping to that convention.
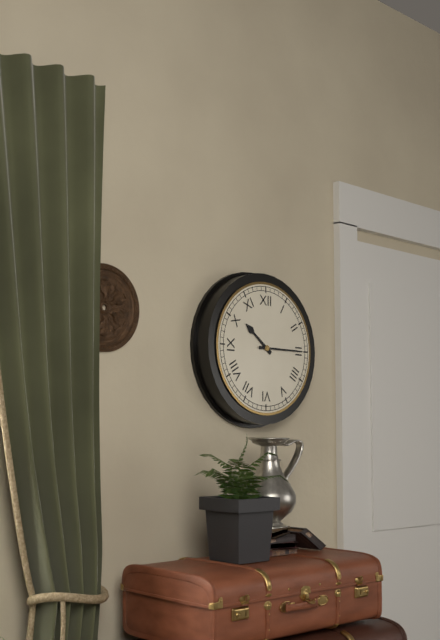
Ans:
10 h 15 min
